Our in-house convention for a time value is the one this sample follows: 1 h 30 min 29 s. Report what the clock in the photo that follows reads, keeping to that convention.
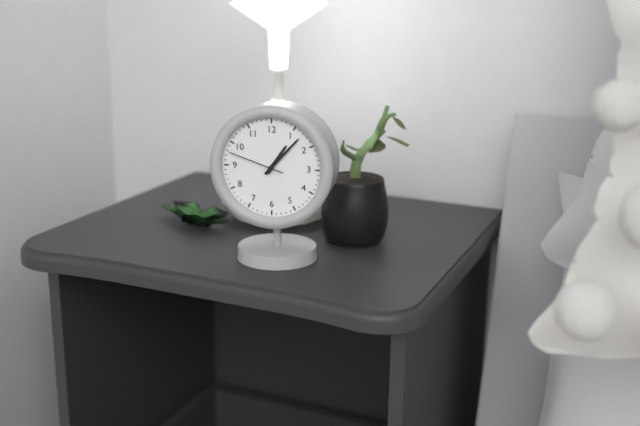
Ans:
1 h 07 min 48 s
